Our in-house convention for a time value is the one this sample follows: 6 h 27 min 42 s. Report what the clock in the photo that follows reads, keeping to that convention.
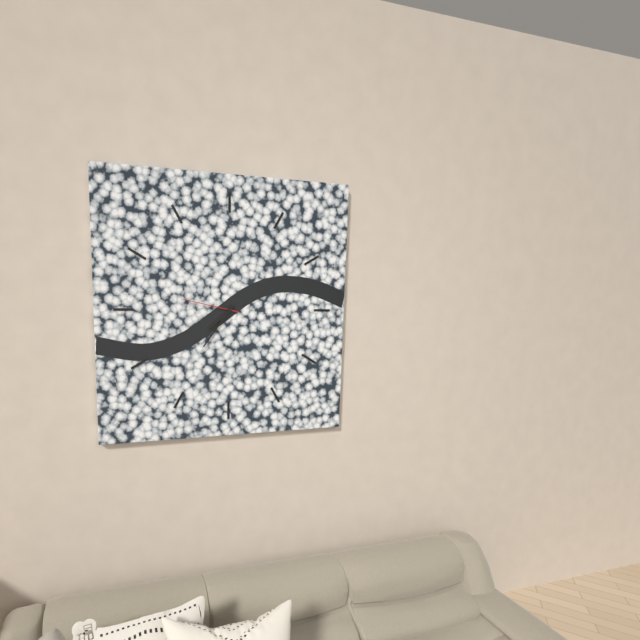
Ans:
7 h 36 min 47 s
